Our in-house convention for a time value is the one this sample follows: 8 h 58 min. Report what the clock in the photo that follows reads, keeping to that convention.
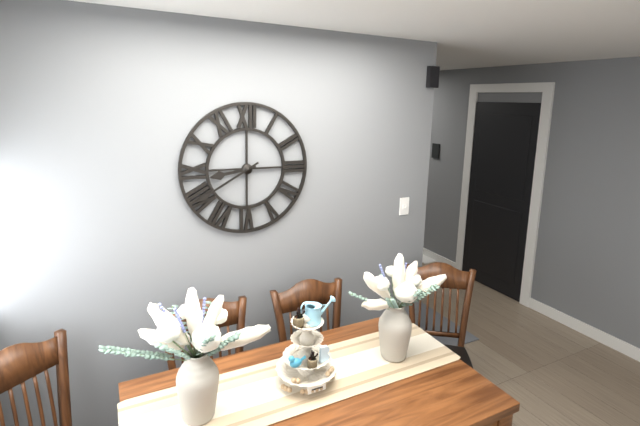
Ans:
8 h 40 min
